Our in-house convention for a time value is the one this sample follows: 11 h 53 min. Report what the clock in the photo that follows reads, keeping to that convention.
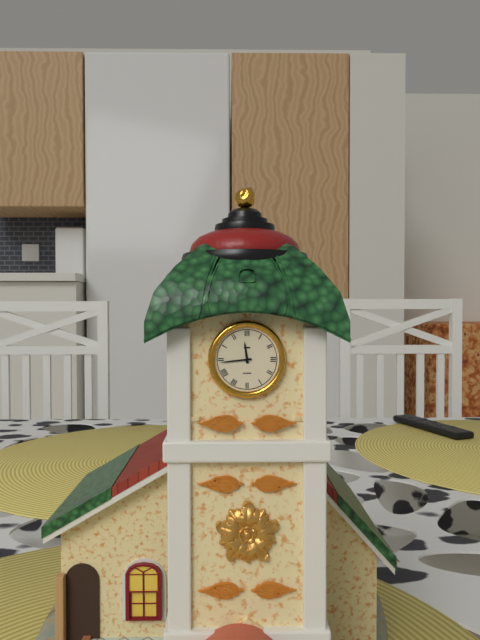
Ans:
11 h 44 min
